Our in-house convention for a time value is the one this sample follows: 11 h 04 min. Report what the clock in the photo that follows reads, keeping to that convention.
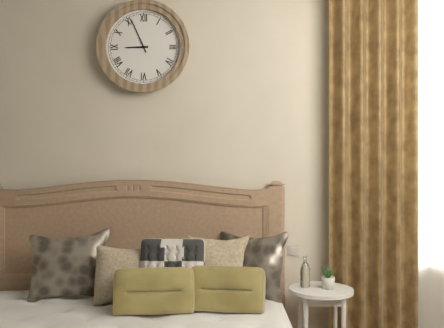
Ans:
8 h 56 min
